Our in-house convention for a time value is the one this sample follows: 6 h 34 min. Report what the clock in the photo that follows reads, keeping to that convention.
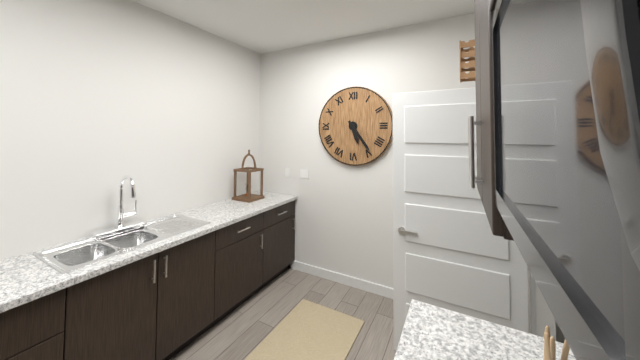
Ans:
5 h 24 min
